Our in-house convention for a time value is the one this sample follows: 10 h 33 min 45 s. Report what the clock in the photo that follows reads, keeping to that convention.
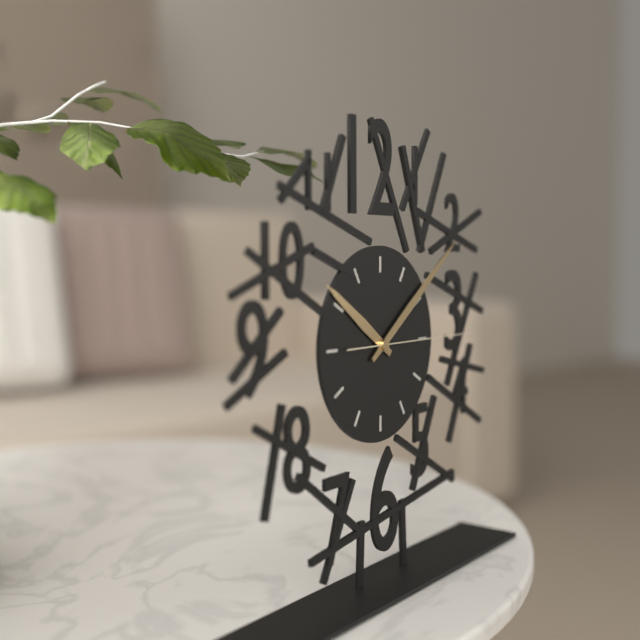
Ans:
10 h 09 min 15 s
